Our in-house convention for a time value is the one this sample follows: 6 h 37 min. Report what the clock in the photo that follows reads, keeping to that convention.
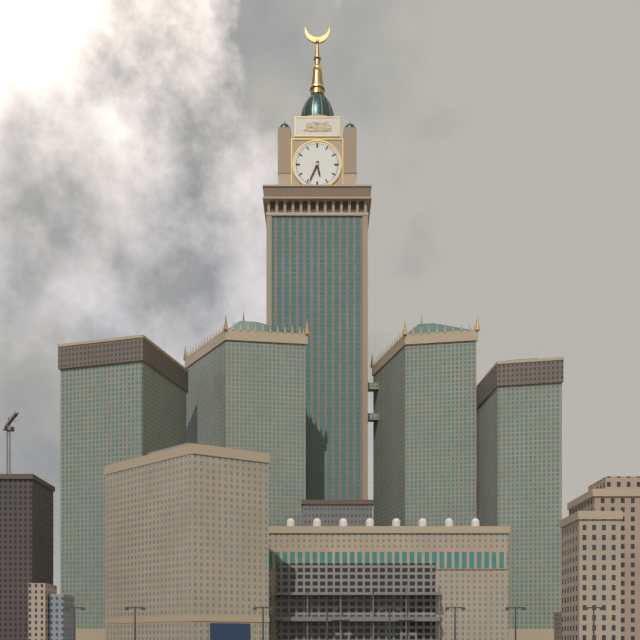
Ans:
5 h 34 min
